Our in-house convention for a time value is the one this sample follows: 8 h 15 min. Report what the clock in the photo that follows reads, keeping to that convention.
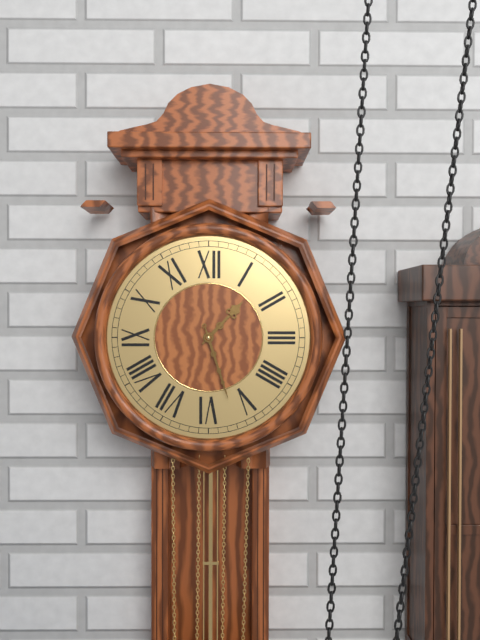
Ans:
1 h 27 min
